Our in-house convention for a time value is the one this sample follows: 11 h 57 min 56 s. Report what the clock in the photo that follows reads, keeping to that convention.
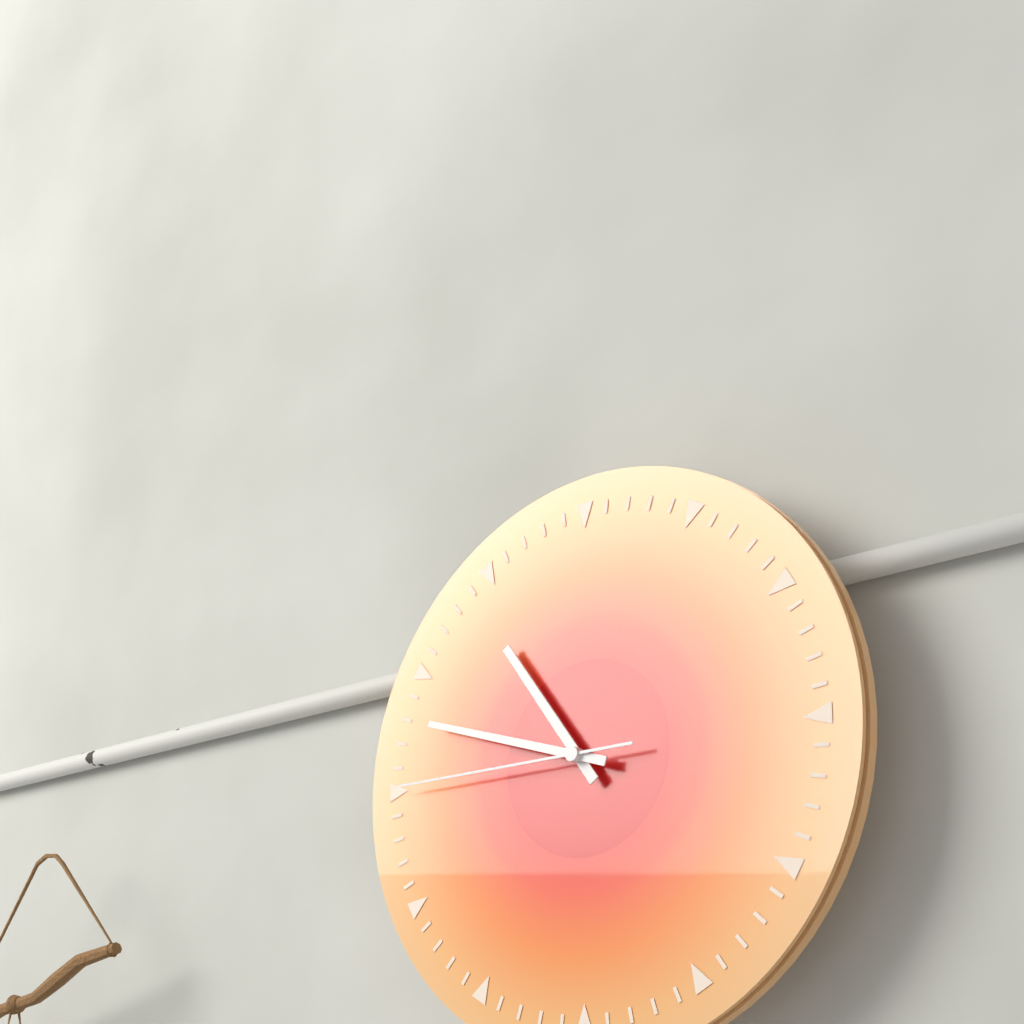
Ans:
10 h 48 min 45 s
